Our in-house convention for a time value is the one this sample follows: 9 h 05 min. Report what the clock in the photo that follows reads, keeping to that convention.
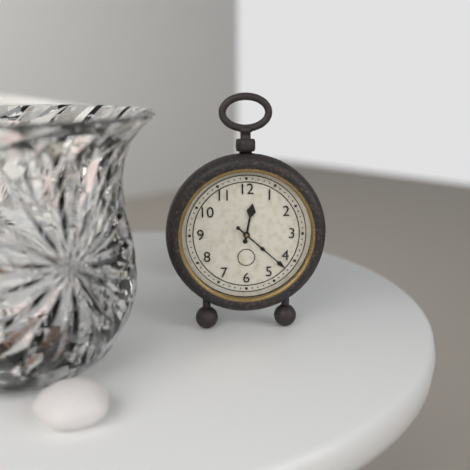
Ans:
12 h 22 min
